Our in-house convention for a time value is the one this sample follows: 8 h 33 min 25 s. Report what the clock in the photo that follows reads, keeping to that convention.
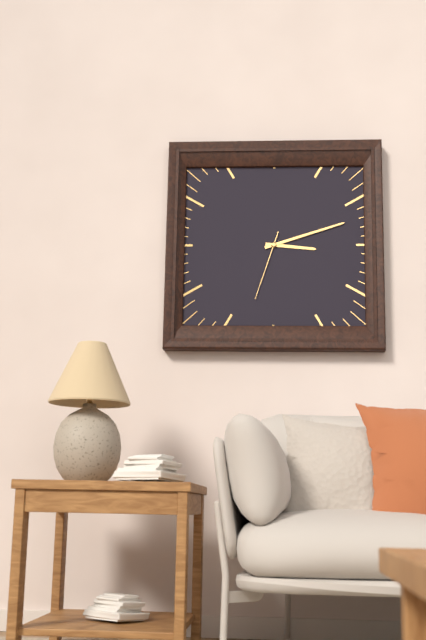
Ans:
3 h 12 min 33 s
